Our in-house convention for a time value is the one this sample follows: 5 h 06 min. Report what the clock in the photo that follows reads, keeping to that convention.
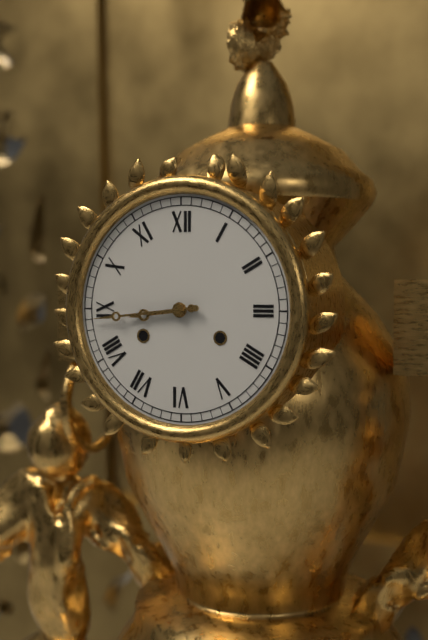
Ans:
8 h 44 min
